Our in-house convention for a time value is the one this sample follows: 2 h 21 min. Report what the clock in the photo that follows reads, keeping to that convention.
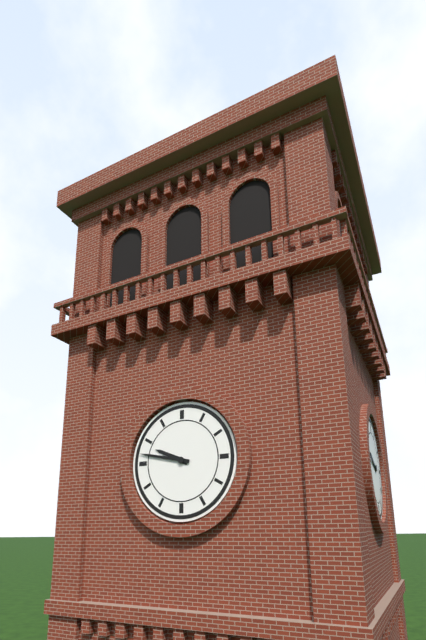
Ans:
9 h 47 min
